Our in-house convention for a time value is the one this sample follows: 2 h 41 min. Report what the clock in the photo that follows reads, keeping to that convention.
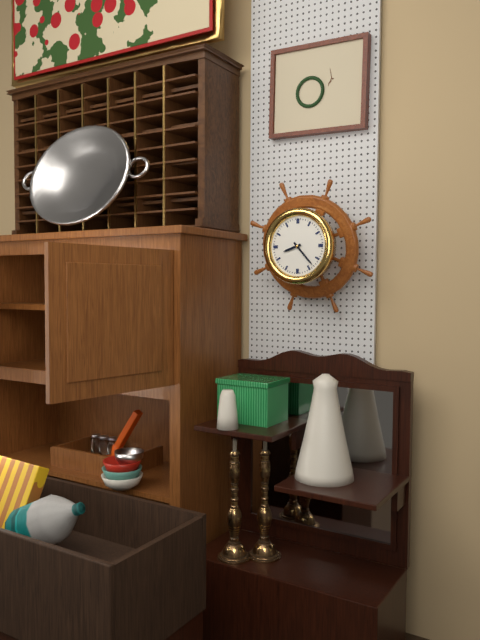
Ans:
8 h 23 min
